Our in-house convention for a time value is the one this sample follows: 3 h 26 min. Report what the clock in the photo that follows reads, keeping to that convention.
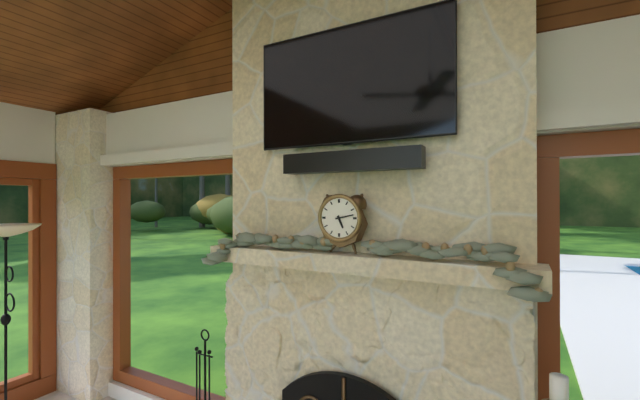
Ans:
5 h 13 min
